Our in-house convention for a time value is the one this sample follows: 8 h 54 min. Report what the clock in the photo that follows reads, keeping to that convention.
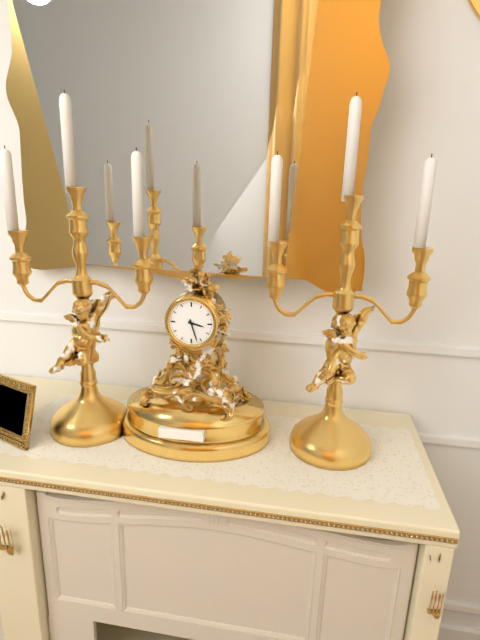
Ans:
3 h 27 min
